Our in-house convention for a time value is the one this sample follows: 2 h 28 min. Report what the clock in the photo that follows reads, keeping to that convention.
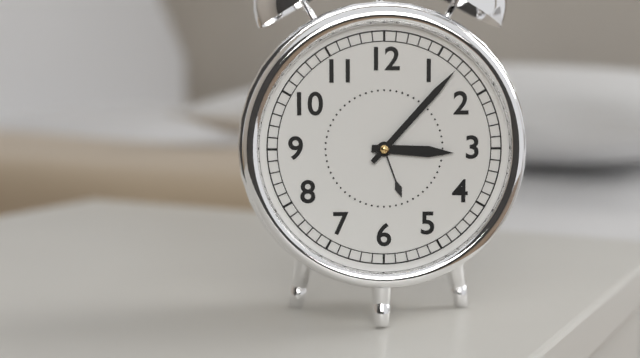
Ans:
3 h 07 min
